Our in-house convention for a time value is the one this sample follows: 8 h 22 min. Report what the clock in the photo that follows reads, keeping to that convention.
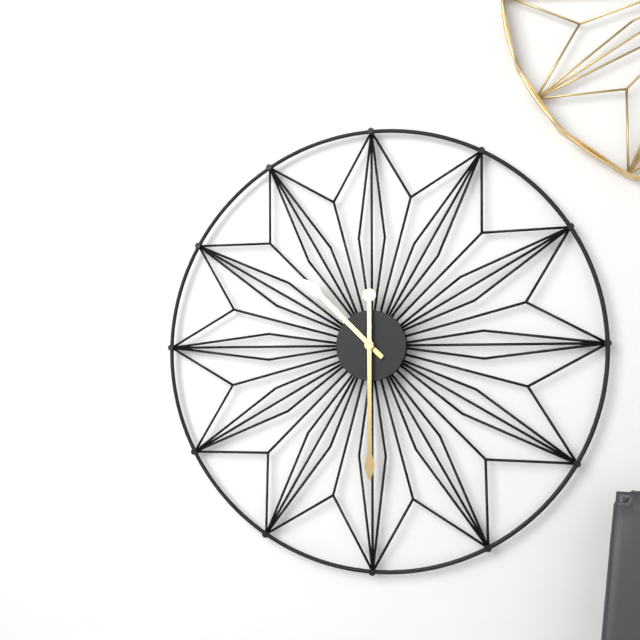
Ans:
10 h 30 min
